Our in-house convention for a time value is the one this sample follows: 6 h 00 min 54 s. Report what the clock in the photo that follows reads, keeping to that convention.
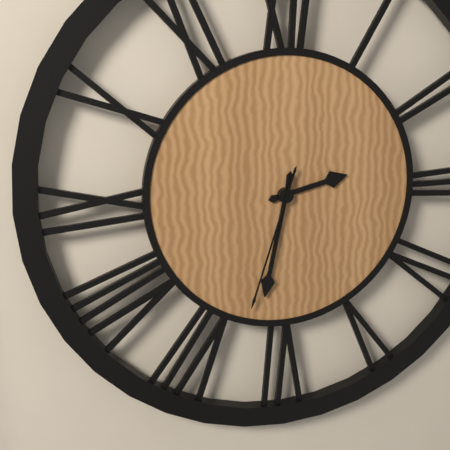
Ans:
2 h 32 min 33 s
